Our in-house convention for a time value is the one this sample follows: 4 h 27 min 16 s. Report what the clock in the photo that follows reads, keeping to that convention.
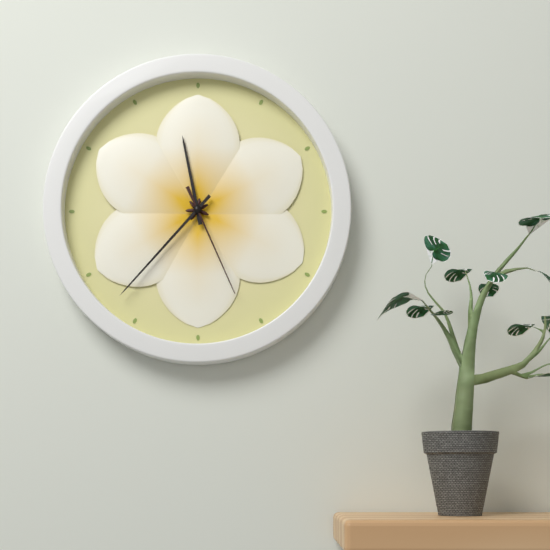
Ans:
11 h 37 min 26 s
